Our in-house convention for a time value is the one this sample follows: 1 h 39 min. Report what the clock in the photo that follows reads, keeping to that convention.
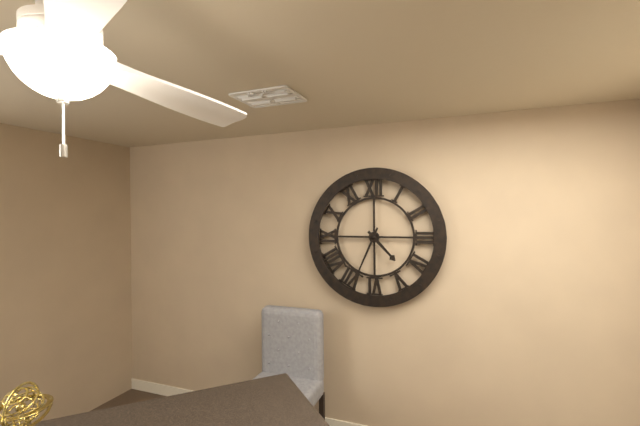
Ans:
4 h 34 min
